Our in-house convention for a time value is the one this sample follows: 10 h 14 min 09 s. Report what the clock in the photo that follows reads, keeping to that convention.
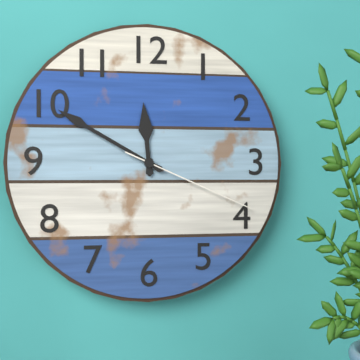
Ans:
11 h 50 min 19 s
